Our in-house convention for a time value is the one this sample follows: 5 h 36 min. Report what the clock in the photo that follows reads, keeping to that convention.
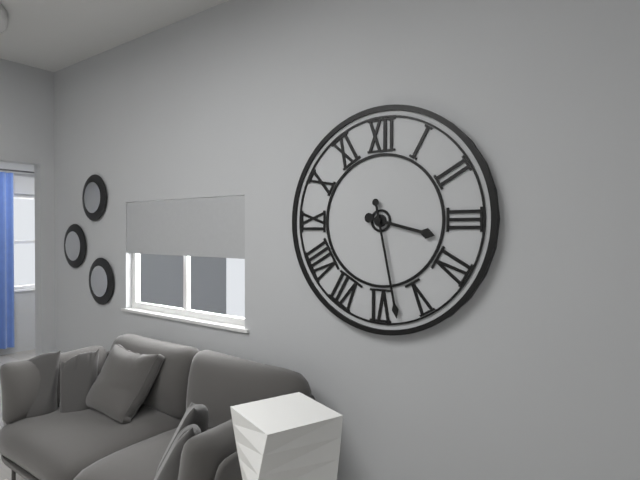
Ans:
3 h 28 min
